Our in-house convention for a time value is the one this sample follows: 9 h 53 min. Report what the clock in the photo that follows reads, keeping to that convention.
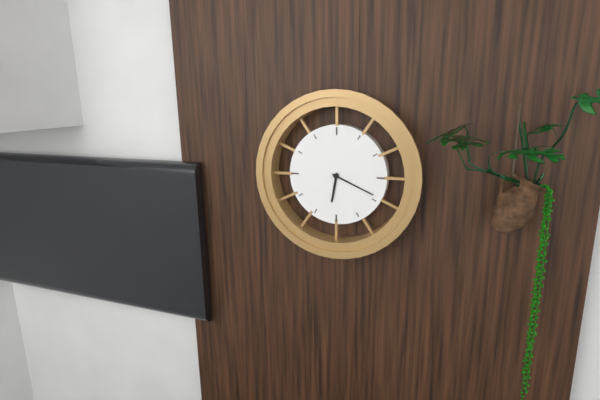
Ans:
6 h 19 min
